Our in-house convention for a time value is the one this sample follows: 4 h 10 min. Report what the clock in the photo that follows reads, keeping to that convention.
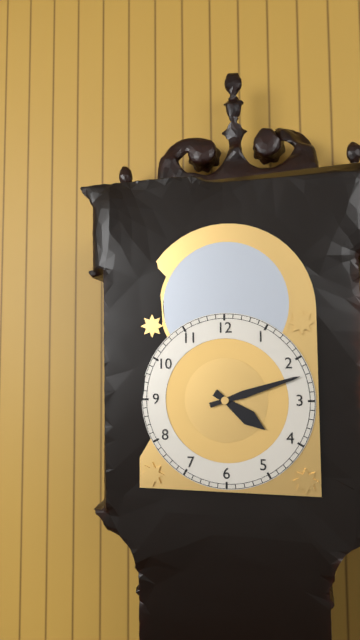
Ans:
4 h 12 min
